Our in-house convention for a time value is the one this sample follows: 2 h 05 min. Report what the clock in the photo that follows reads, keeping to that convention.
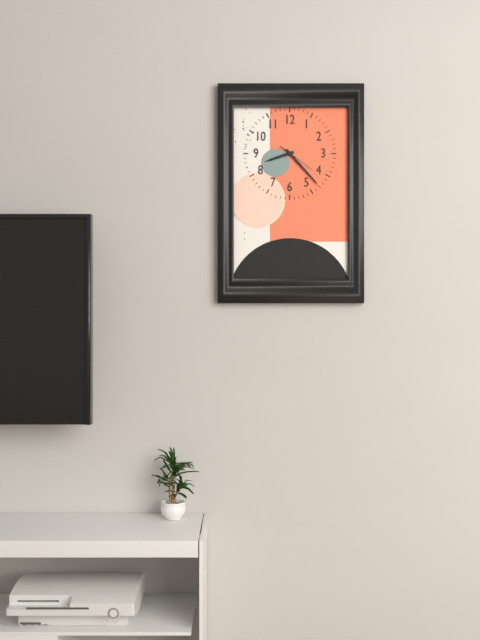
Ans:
8 h 23 min
